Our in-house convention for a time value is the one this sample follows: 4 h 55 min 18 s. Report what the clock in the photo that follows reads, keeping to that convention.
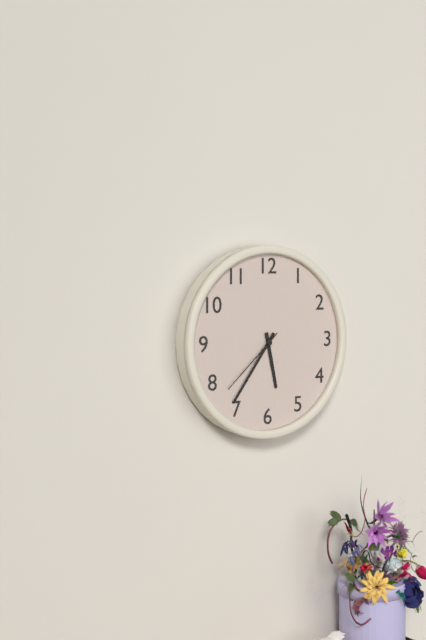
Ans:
5 h 36 min 38 s
